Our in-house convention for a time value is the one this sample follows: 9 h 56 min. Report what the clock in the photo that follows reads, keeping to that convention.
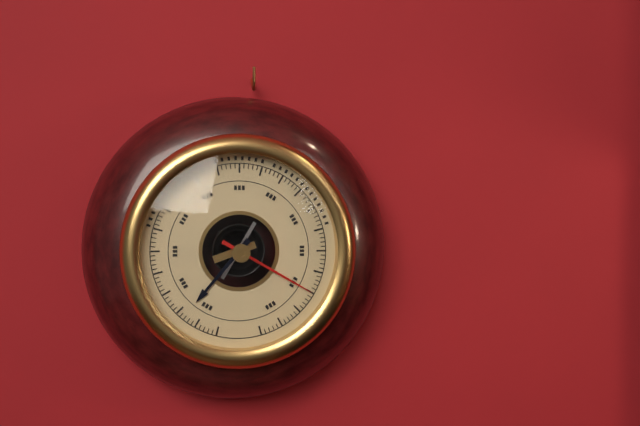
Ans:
7 h 20 min
